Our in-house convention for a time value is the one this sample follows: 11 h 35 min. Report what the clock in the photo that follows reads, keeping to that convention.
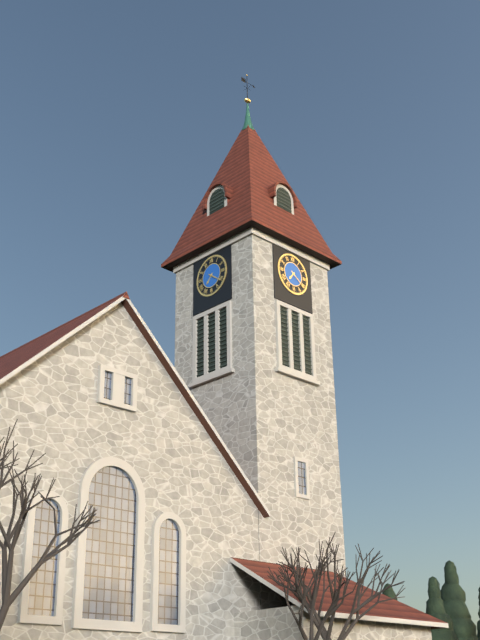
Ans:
7 h 21 min
